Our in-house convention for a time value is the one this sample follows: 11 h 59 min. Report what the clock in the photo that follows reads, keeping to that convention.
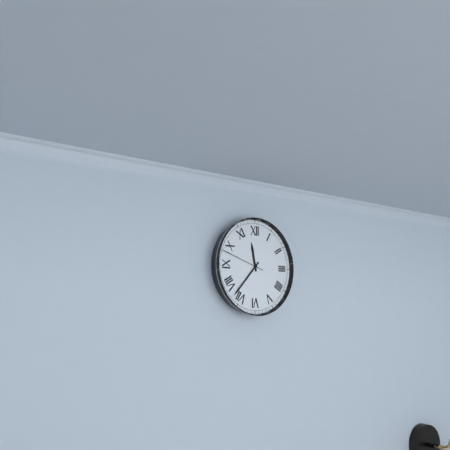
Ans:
11 h 37 min
